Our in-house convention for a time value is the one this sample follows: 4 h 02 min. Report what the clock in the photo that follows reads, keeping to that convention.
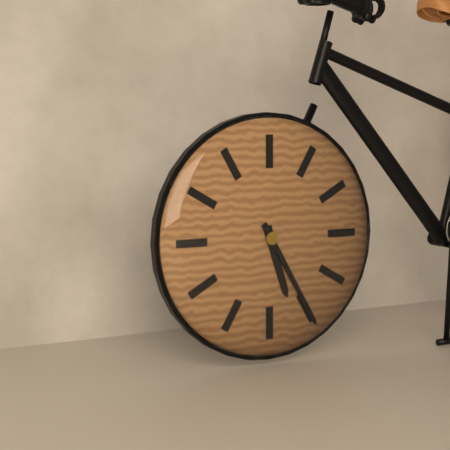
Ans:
5 h 25 min
